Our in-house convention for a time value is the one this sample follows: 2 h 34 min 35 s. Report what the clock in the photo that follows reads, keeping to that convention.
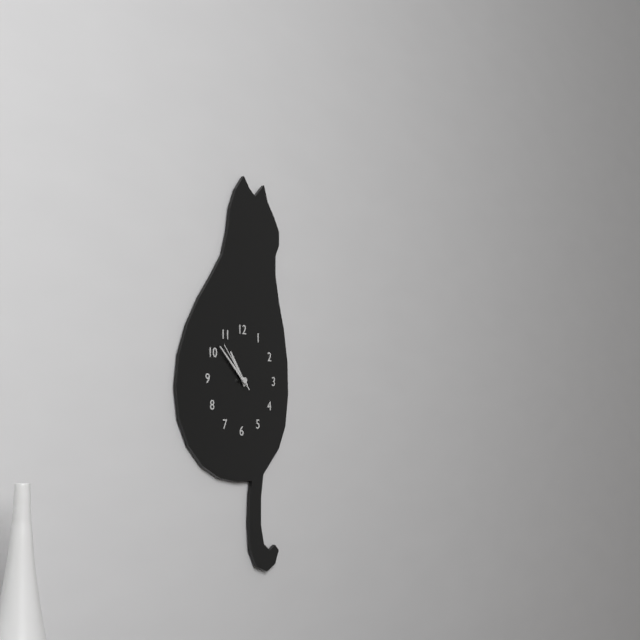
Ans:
10 h 52 min 53 s
